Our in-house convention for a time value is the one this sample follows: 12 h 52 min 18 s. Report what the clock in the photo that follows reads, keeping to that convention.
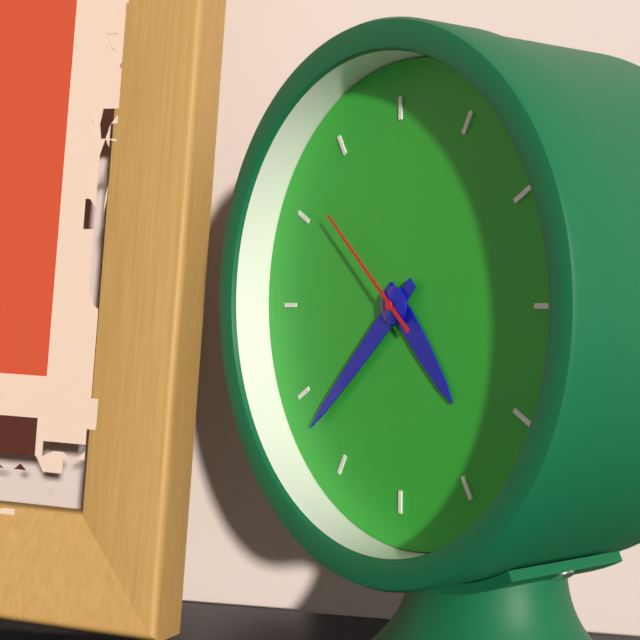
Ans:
4 h 38 min 52 s
